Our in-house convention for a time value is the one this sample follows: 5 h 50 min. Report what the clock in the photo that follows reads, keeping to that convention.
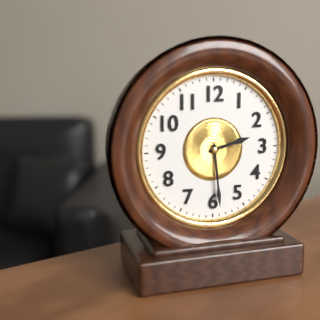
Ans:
2 h 29 min
